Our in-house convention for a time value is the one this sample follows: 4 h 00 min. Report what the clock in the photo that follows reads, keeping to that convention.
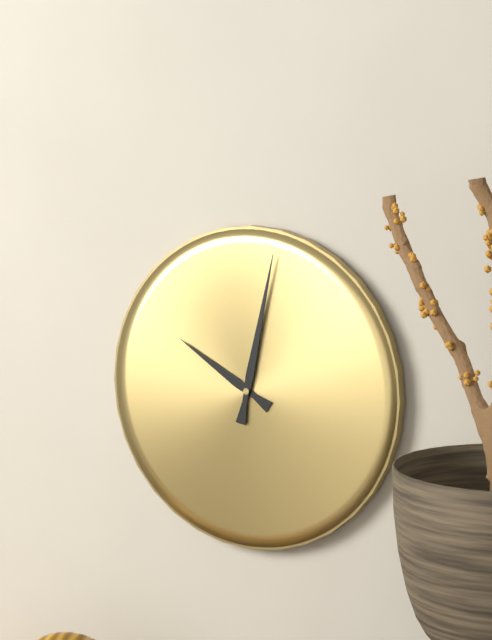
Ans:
10 h 02 min
